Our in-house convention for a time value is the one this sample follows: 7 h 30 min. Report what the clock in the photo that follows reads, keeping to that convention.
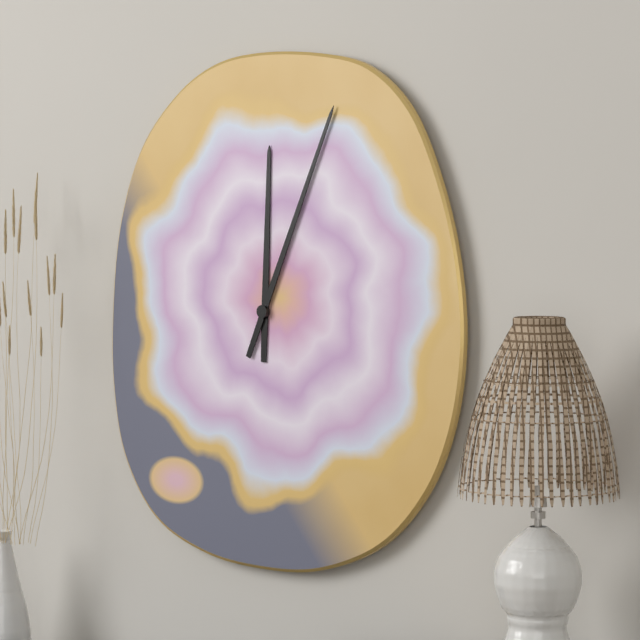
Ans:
12 h 04 min
